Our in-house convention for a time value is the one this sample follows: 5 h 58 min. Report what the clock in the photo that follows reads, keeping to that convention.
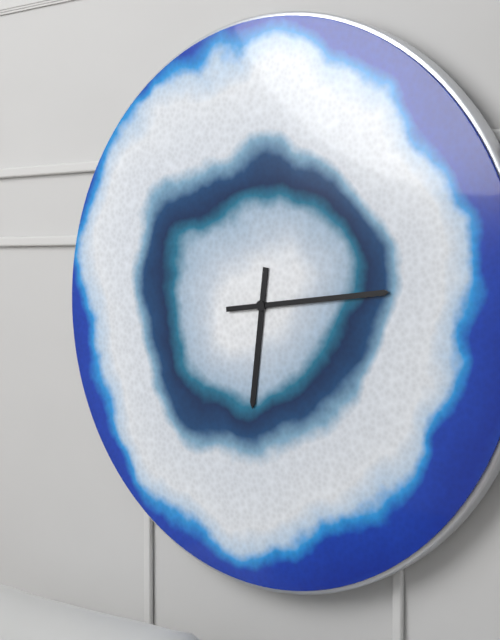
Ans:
6 h 14 min
